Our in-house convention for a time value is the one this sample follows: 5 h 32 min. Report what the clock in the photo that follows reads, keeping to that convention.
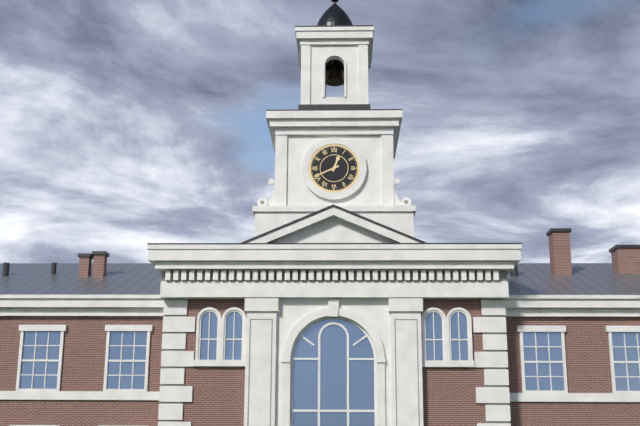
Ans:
12 h 41 min
